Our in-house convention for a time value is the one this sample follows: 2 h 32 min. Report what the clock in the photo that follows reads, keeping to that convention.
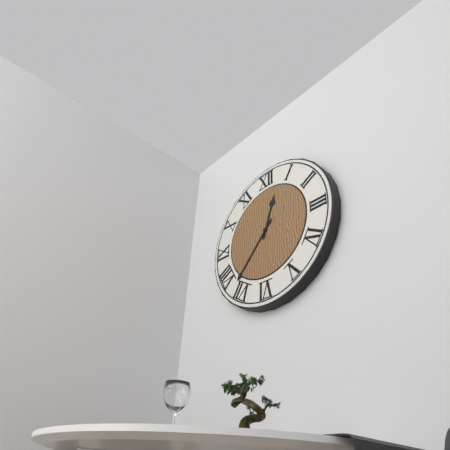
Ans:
12 h 37 min
